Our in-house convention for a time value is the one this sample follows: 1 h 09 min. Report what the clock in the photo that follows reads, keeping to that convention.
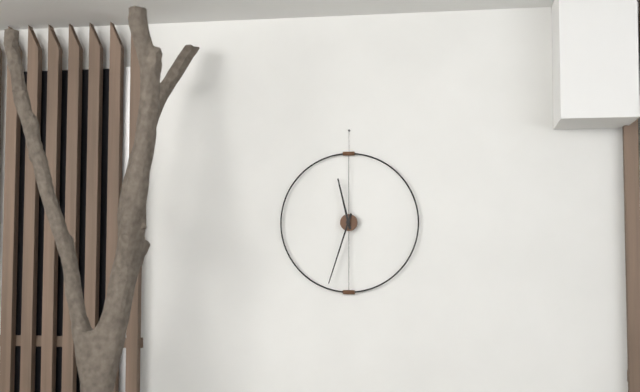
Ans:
11 h 33 min
